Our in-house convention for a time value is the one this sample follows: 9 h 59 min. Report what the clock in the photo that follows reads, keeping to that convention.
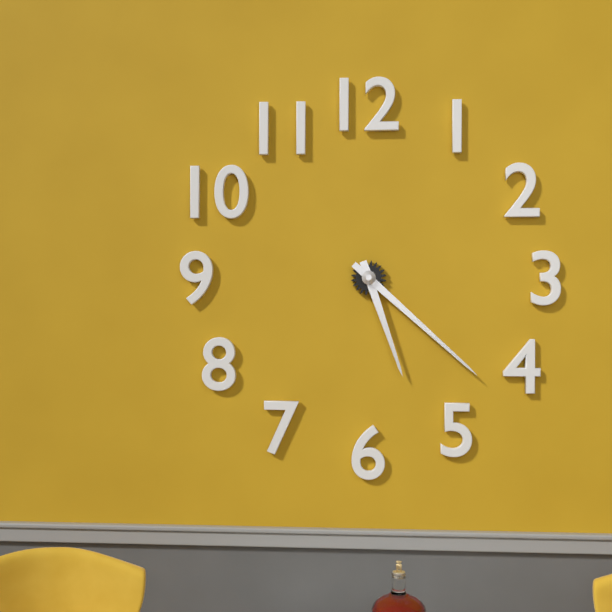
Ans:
5 h 22 min
